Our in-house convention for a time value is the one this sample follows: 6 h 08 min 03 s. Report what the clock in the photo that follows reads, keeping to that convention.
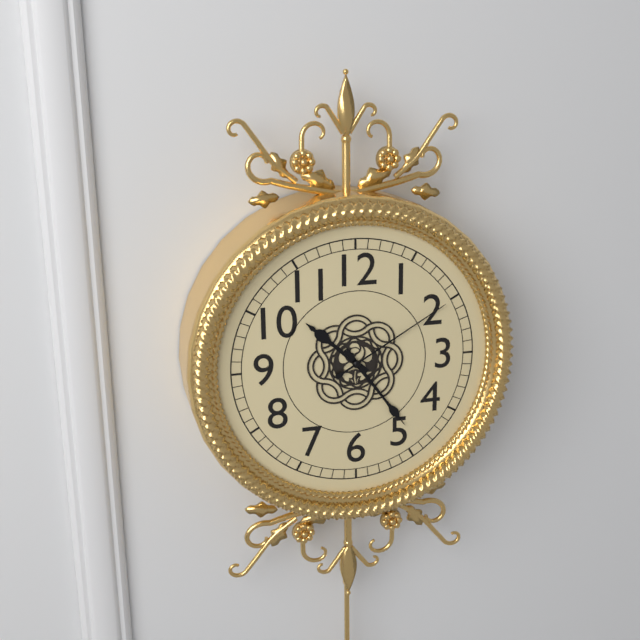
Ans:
10 h 24 min 10 s
